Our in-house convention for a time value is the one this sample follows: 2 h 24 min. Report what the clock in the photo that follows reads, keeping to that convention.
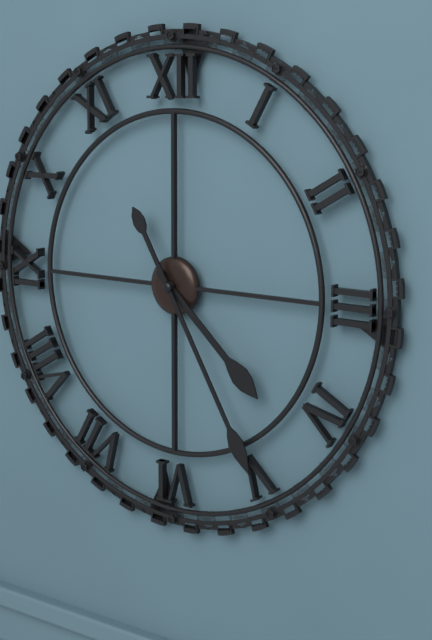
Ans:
4 h 25 min
